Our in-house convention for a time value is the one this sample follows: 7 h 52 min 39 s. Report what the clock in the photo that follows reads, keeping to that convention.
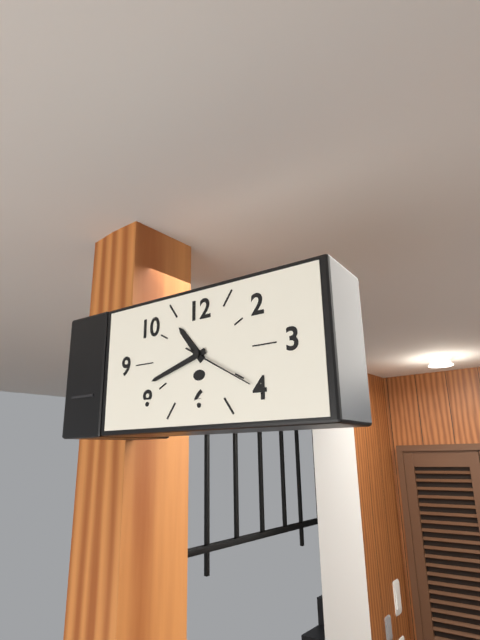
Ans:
10 h 42 min 20 s
